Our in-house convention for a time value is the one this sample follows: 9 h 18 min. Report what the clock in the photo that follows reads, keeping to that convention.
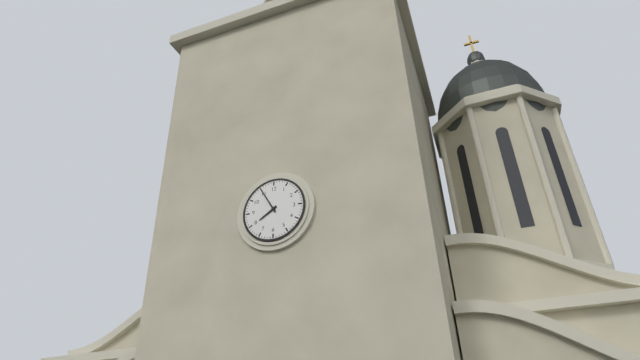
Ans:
7 h 55 min
